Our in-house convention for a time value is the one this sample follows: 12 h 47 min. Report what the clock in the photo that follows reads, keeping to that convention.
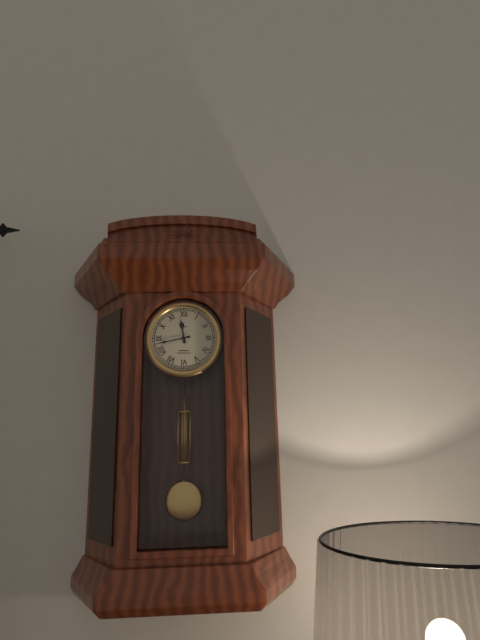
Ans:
11 h 43 min
